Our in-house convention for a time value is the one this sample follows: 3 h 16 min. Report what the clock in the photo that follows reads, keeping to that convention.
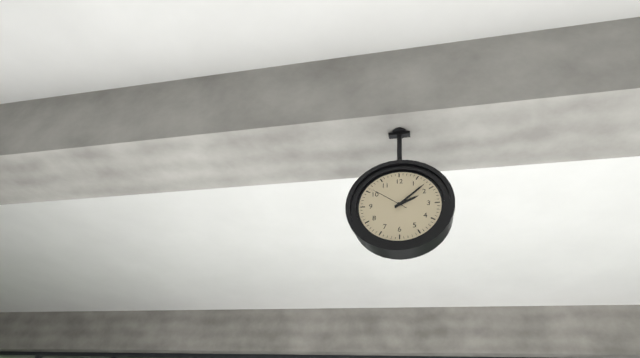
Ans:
2 h 08 min
